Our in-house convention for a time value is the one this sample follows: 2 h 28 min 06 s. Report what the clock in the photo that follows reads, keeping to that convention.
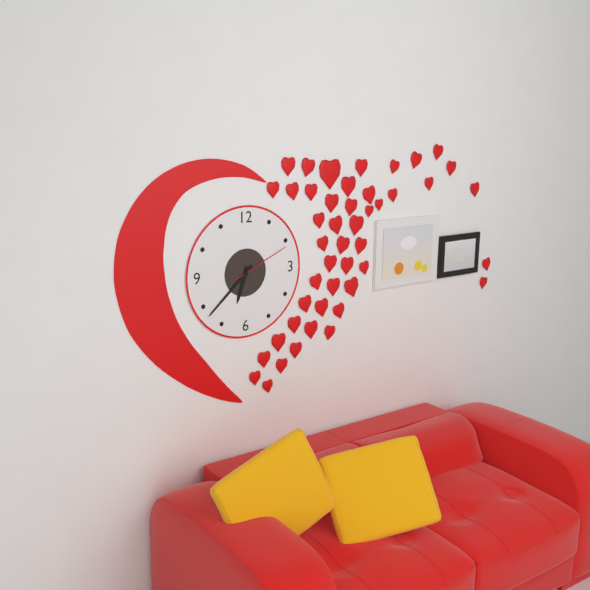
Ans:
6 h 38 min 11 s
